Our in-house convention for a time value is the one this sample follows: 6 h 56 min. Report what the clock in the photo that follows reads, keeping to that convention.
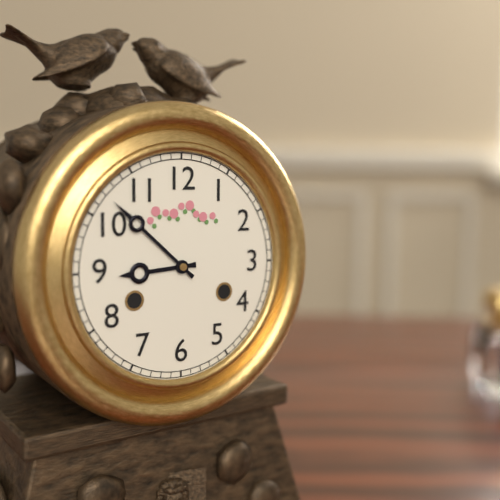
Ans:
8 h 52 min
